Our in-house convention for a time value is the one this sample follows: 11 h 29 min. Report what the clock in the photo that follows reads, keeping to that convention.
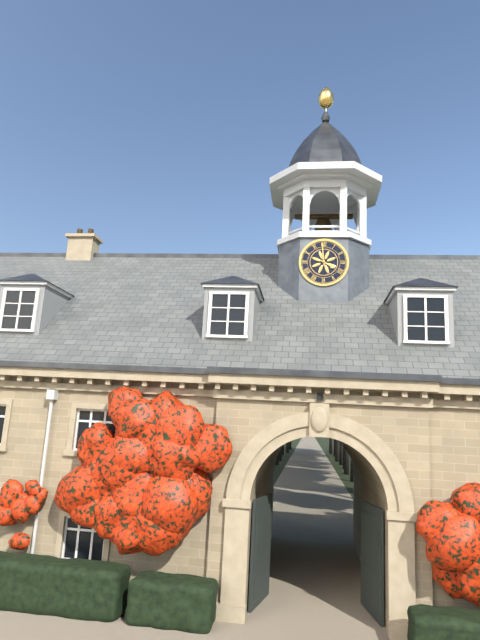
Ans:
3 h 59 min
